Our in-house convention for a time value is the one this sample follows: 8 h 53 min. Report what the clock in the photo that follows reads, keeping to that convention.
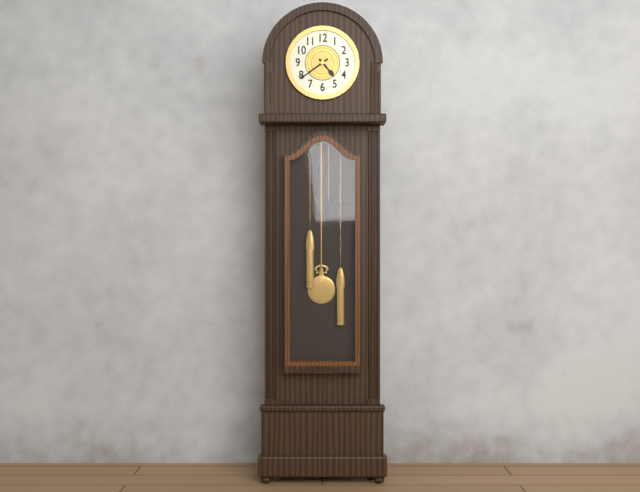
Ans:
4 h 39 min
